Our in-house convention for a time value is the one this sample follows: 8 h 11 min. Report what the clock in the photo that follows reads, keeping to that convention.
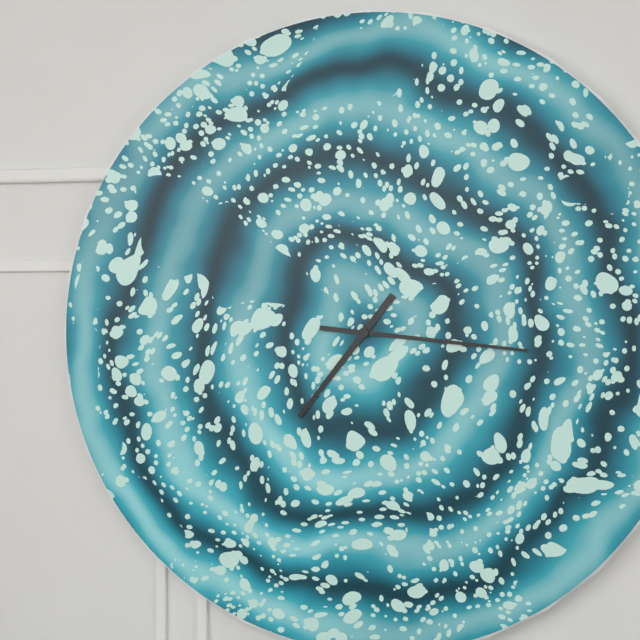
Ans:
7 h 16 min
